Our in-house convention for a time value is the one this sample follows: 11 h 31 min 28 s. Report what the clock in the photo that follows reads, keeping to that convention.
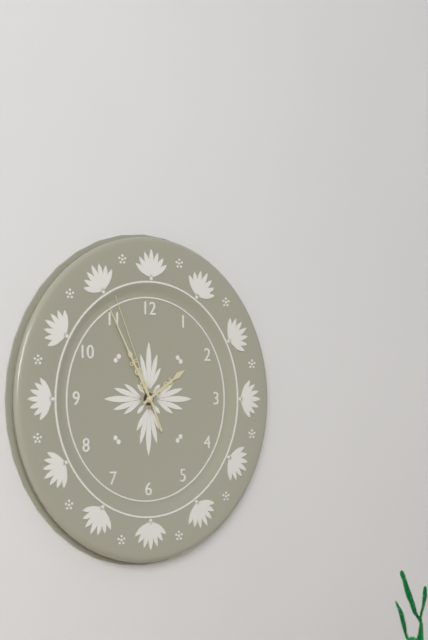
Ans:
1 h 55 min 56 s
